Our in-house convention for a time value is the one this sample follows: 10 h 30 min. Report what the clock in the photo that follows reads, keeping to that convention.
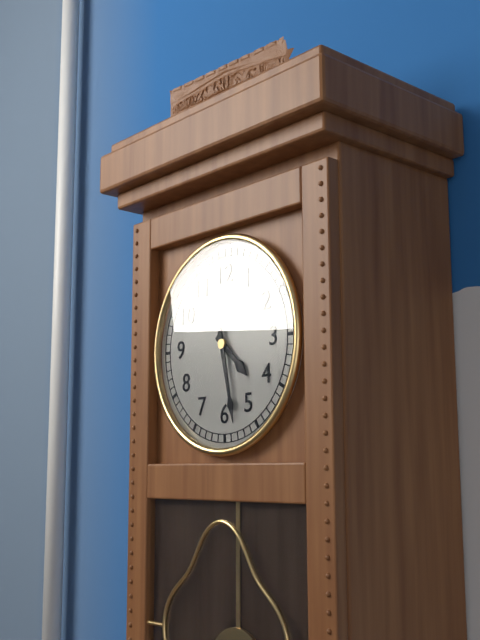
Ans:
4 h 28 min
